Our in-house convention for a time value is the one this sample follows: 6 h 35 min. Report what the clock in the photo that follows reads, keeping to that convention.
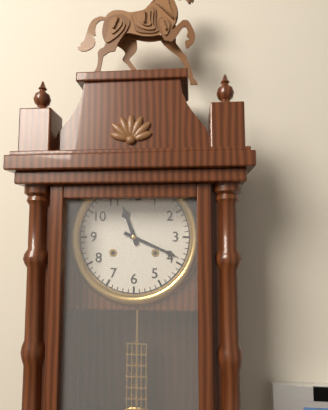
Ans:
11 h 19 min
